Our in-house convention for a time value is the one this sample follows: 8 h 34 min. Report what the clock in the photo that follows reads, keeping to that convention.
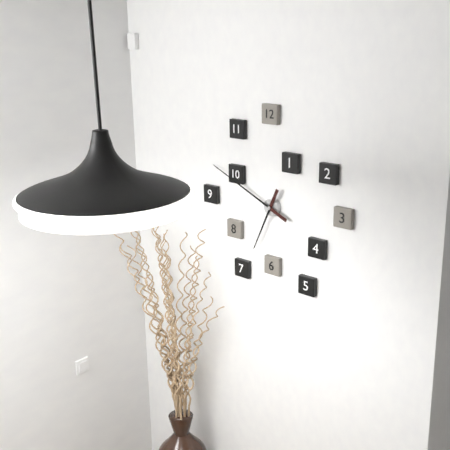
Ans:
6 h 49 min
